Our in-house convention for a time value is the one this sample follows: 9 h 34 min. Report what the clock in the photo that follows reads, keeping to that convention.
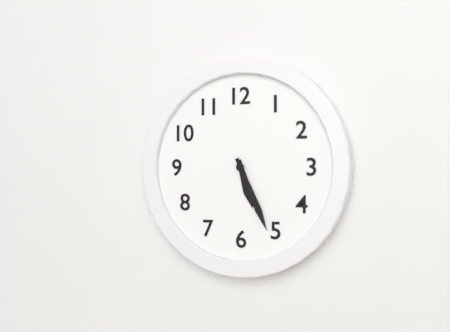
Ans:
5 h 26 min
